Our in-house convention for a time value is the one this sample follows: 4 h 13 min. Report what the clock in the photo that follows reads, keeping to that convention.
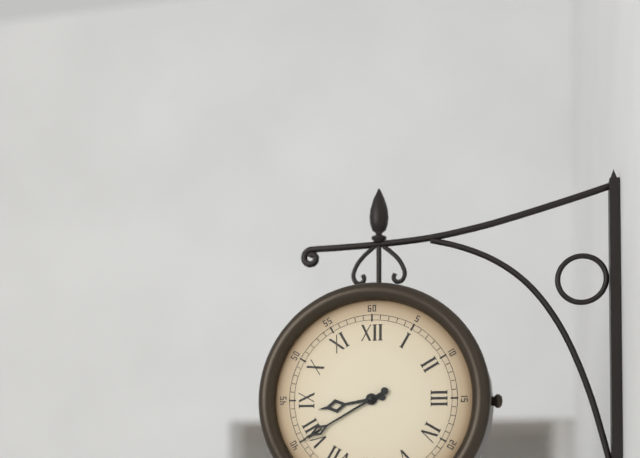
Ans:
8 h 40 min
